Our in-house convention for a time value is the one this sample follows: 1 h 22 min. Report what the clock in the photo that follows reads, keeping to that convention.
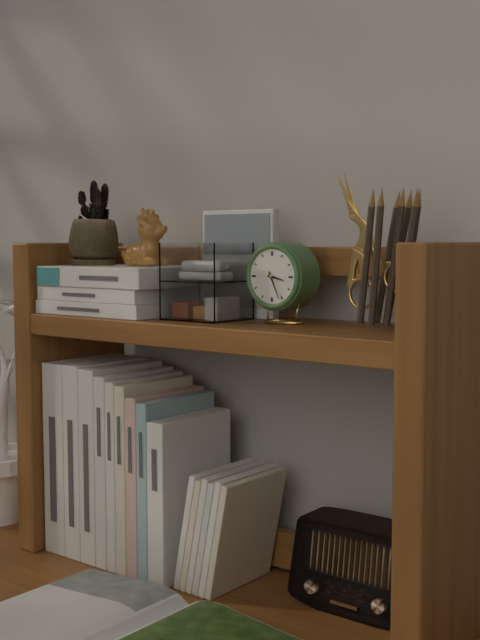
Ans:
3 h 26 min
